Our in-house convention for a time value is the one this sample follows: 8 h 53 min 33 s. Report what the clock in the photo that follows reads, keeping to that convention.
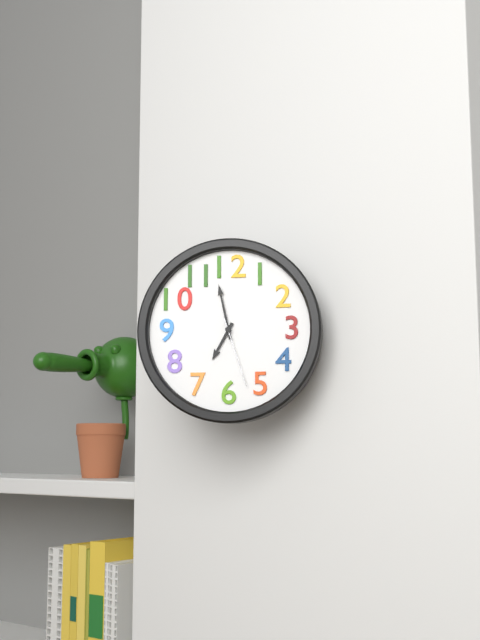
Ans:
6 h 58 min 27 s
